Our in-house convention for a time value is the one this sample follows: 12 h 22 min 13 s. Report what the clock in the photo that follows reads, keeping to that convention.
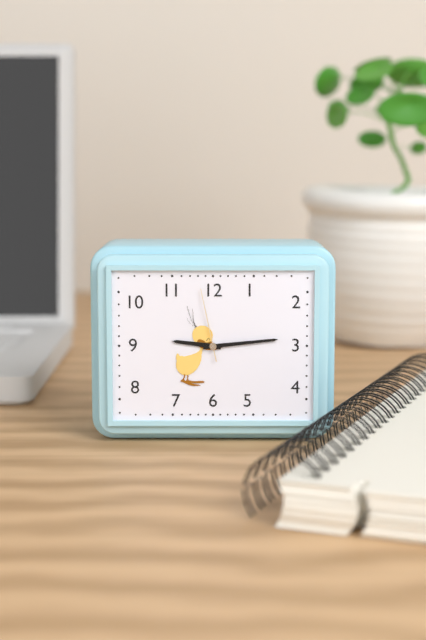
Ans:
9 h 14 min 58 s
